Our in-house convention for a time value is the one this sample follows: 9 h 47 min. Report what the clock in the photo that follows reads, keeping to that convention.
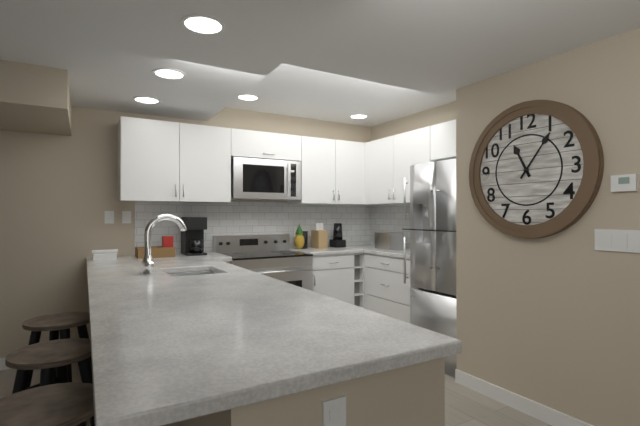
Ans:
11 h 06 min
